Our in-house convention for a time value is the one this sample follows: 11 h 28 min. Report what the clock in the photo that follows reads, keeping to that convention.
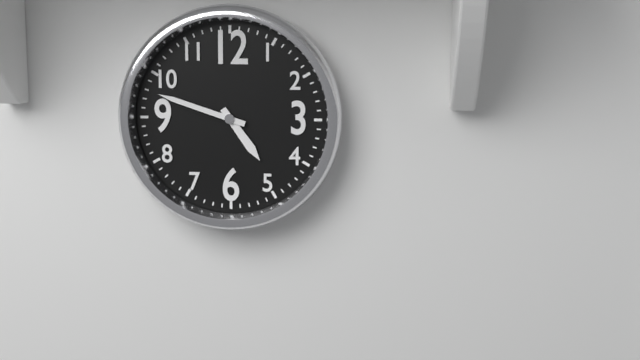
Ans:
4 h 48 min
